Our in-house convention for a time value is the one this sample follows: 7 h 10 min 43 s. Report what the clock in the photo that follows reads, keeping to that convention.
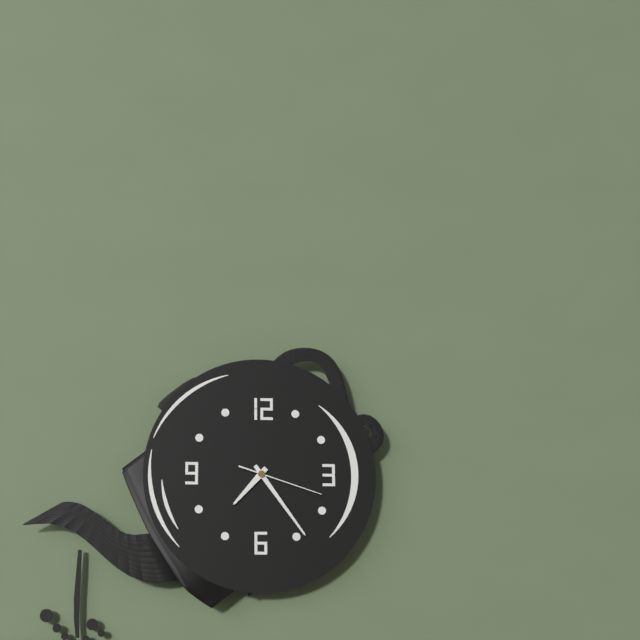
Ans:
7 h 24 min 18 s
